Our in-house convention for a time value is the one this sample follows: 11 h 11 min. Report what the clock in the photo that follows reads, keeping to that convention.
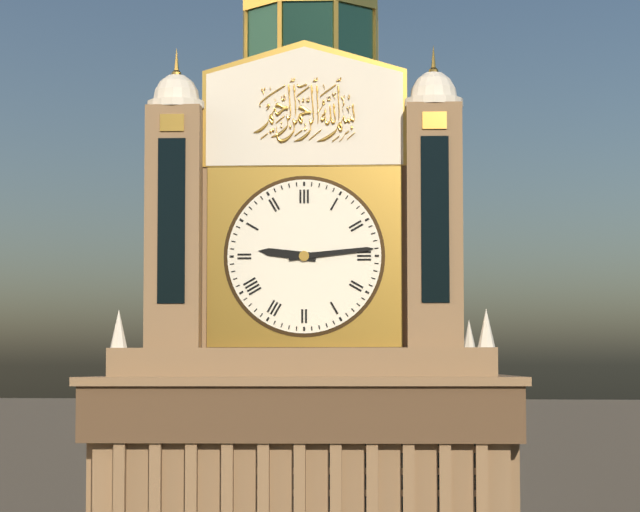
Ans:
9 h 14 min
